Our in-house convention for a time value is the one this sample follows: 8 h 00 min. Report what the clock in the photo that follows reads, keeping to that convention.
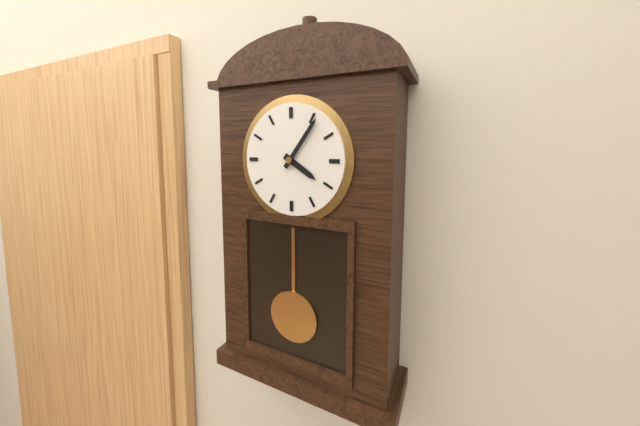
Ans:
4 h 06 min
